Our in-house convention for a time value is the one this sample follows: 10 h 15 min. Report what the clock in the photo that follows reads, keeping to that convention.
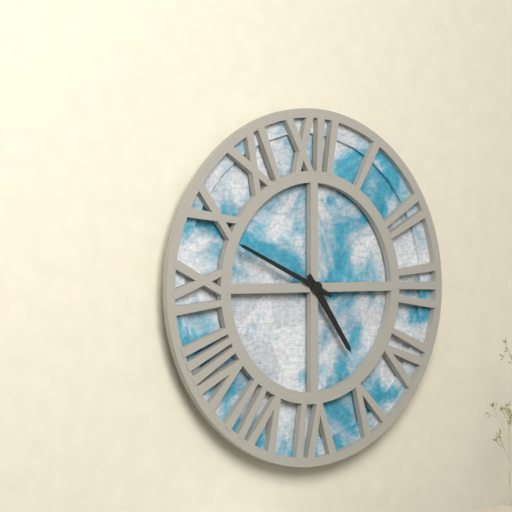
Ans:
4 h 49 min
